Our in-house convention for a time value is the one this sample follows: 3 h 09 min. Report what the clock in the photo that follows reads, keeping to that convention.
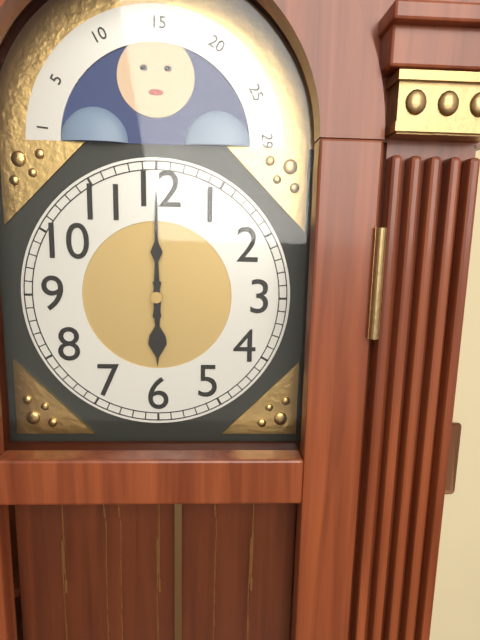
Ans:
6 h 00 min
